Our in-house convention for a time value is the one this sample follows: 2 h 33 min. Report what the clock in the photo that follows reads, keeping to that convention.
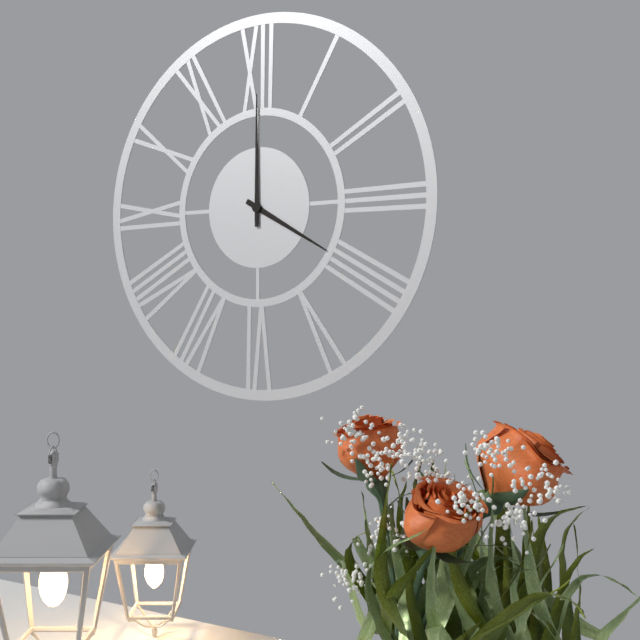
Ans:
4 h 00 min
